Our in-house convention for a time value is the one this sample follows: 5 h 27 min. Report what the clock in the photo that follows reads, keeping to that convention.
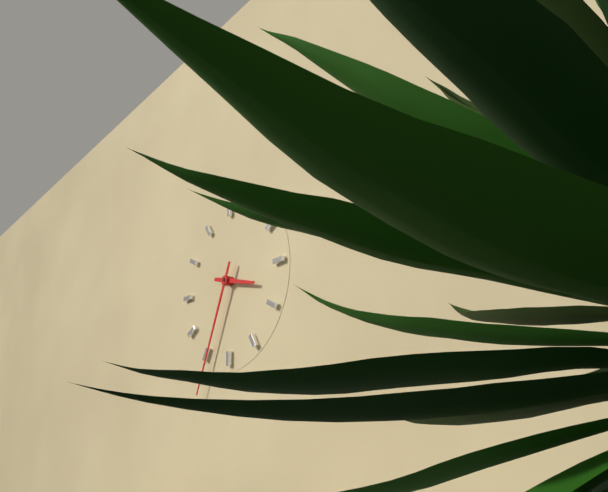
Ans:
3 h 34 min
